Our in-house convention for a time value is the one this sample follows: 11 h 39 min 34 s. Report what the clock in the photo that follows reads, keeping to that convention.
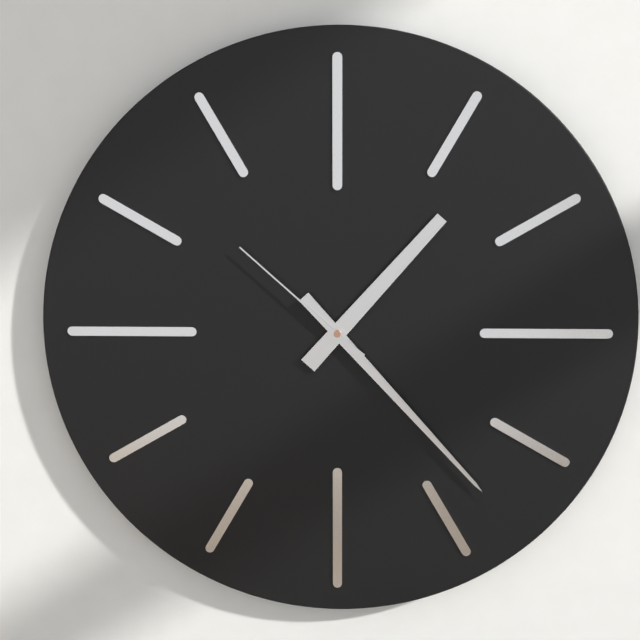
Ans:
1 h 23 min 52 s
